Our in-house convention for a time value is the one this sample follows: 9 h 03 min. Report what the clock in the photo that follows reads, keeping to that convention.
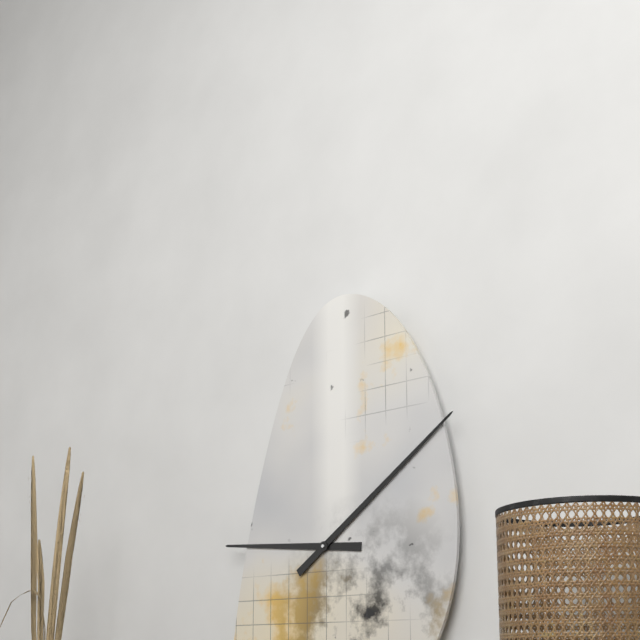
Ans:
9 h 09 min
